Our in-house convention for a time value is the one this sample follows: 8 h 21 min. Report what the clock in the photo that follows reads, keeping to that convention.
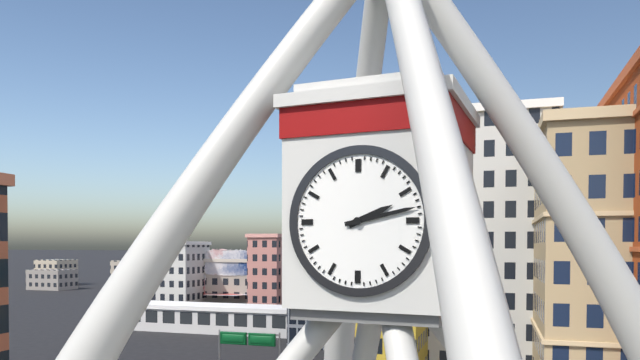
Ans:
2 h 13 min
